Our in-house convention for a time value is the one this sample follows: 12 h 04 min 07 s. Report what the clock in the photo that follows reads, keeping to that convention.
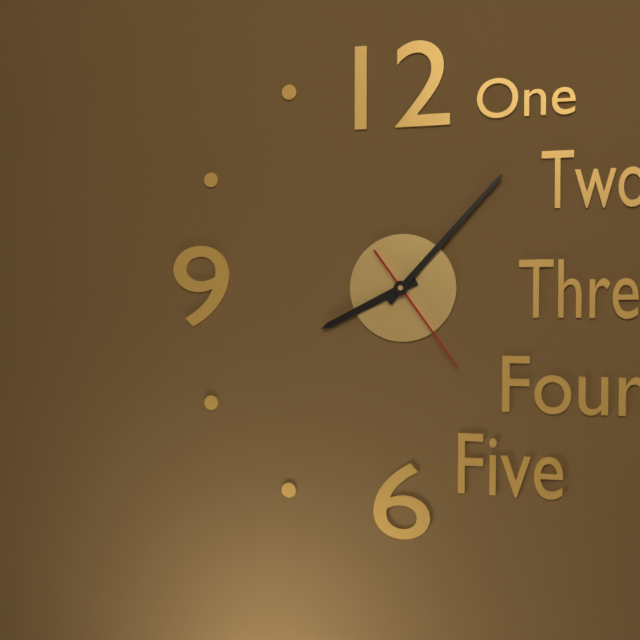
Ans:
8 h 07 min 24 s
